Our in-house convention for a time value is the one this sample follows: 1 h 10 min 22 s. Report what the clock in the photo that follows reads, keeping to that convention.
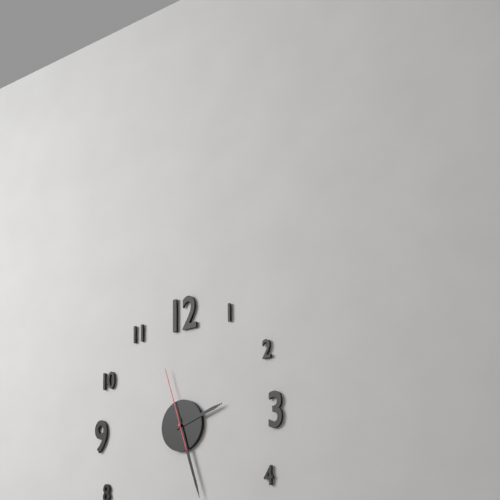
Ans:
2 h 27 min 57 s
